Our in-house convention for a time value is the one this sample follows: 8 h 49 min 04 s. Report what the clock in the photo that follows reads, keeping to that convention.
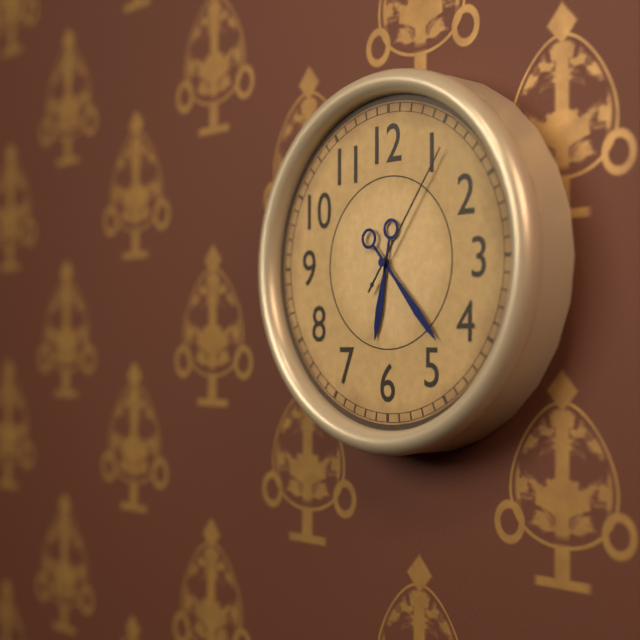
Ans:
6 h 23 min 06 s
